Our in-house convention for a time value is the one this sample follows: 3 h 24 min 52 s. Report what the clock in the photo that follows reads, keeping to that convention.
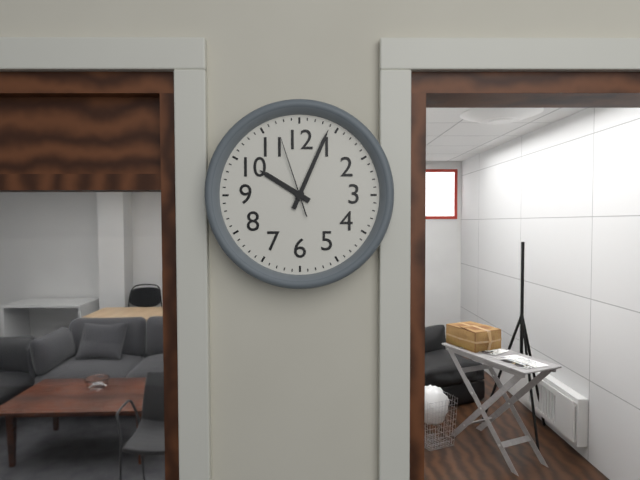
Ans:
10 h 04 min 57 s
